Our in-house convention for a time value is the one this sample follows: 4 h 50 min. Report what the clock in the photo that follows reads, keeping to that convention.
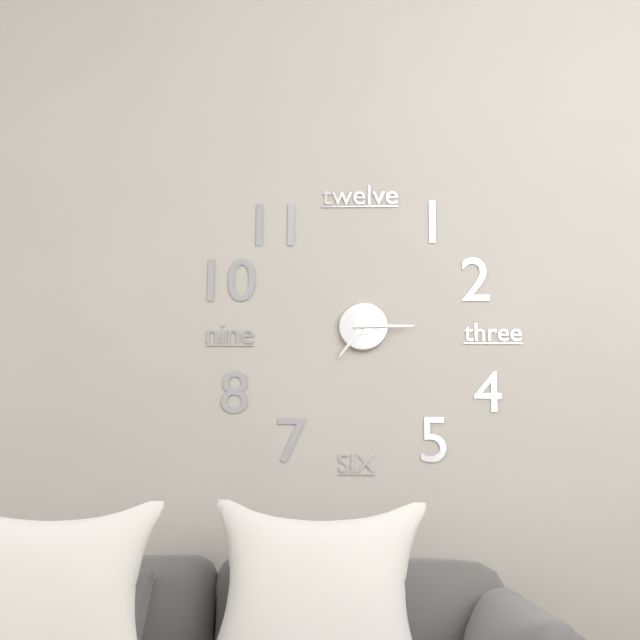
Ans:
7 h 15 min
